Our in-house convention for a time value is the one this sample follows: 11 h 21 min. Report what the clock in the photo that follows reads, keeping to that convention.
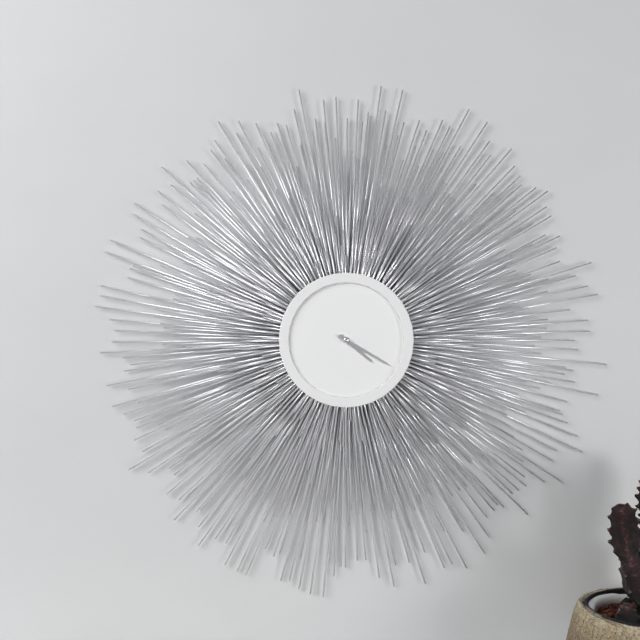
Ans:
4 h 20 min
